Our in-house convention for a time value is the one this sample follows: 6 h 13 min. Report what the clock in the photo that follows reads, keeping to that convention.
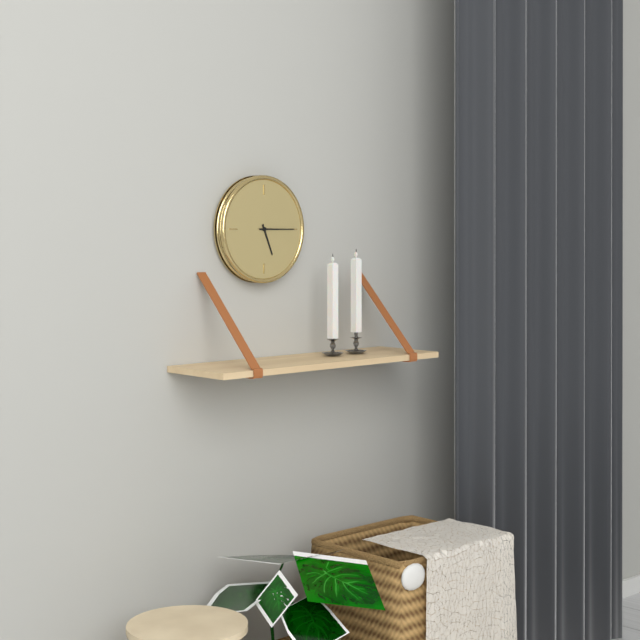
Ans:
5 h 15 min
